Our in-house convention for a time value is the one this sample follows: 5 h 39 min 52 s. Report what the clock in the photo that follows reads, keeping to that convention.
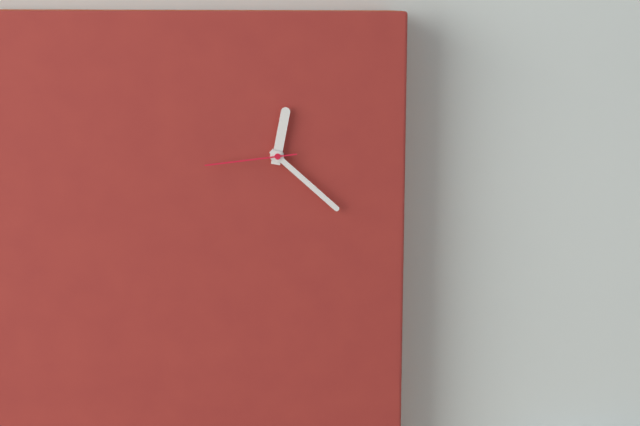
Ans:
12 h 22 min 44 s
